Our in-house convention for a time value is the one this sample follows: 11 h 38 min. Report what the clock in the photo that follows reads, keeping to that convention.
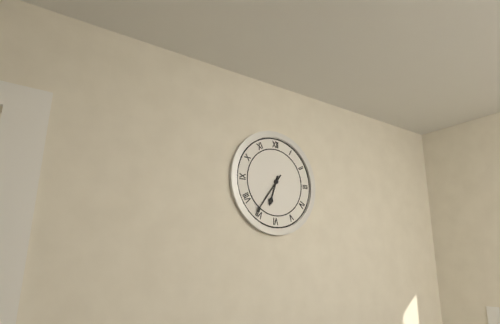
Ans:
6 h 36 min
